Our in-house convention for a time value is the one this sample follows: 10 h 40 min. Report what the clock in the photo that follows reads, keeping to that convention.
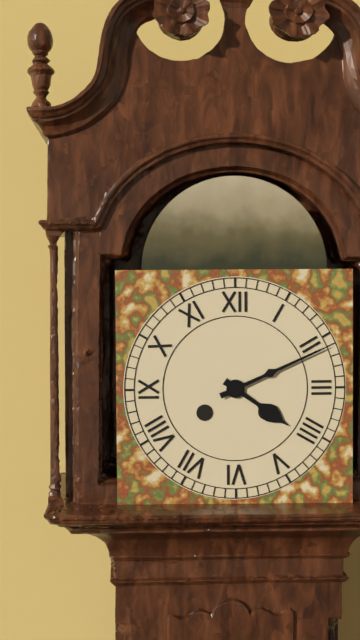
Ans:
4 h 11 min
